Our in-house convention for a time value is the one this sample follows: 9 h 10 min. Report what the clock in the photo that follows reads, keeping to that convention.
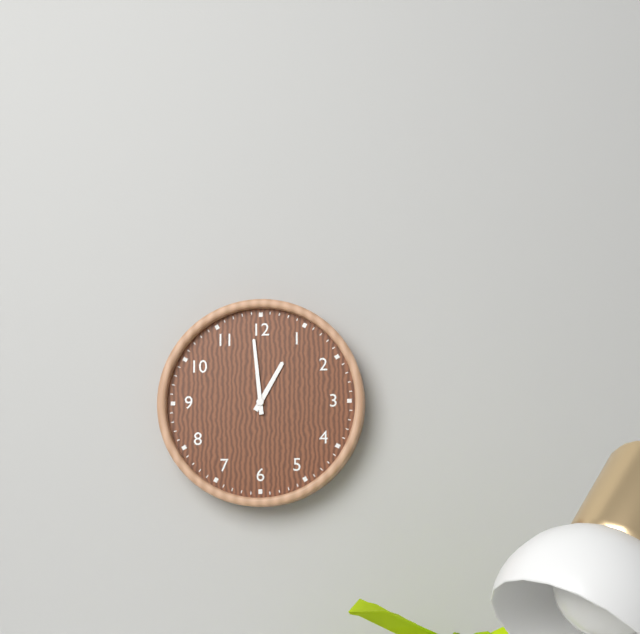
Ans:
12 h 59 min
